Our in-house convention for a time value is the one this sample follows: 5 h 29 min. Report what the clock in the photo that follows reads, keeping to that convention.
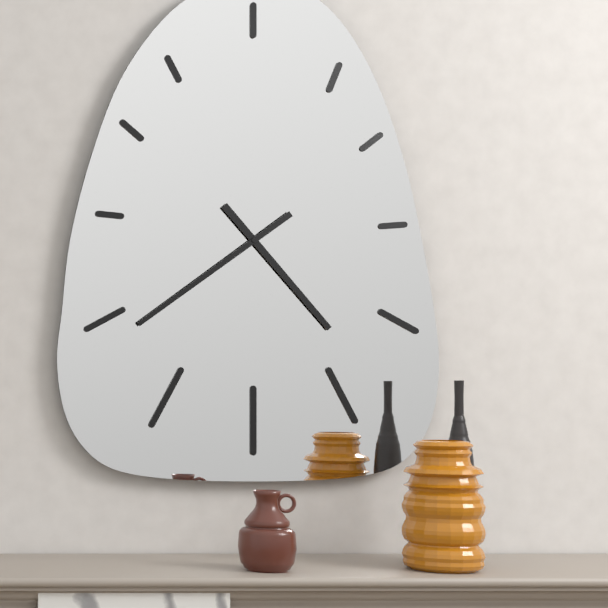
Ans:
4 h 39 min
